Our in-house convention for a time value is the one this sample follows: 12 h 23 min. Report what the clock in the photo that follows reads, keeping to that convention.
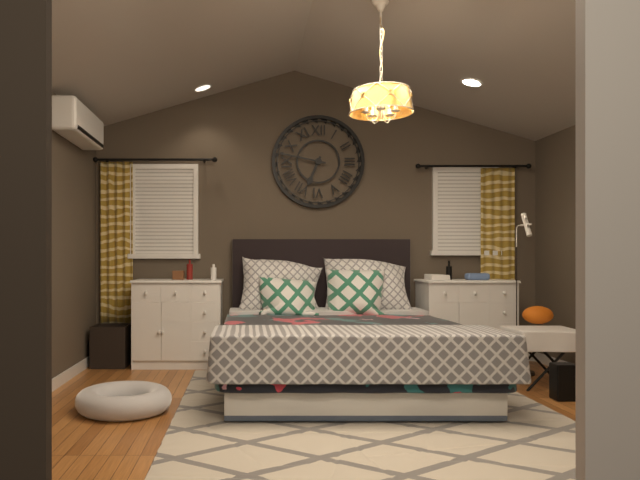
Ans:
6 h 47 min
